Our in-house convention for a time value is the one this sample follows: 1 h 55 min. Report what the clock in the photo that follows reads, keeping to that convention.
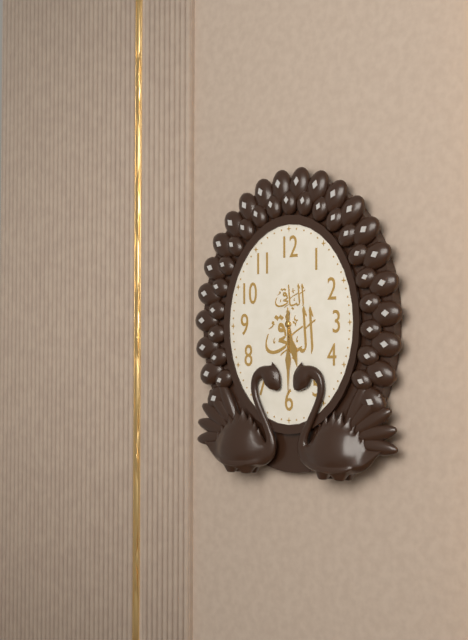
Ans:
5 h 30 min
